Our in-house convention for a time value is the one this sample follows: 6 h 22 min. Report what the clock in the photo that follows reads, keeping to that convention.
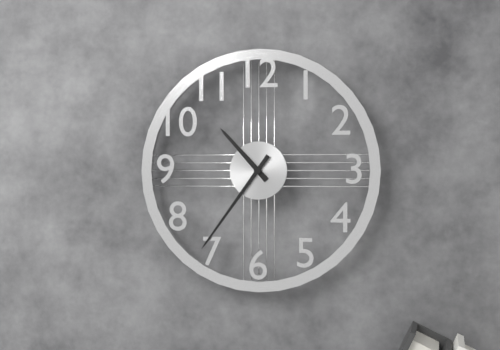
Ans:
10 h 36 min
